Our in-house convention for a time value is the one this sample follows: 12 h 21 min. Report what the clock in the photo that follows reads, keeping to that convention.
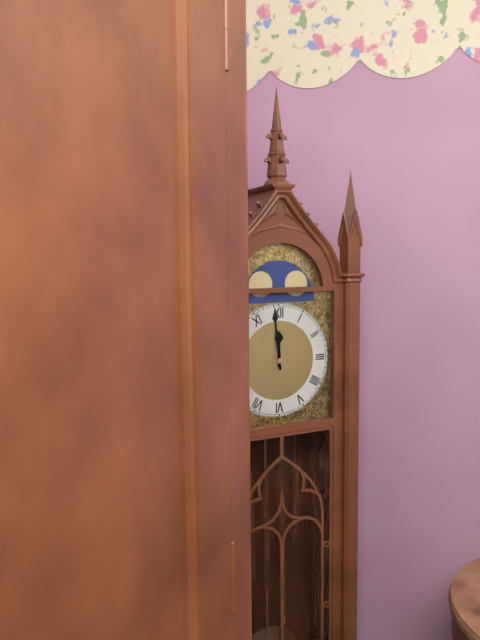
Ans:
11 h 59 min
